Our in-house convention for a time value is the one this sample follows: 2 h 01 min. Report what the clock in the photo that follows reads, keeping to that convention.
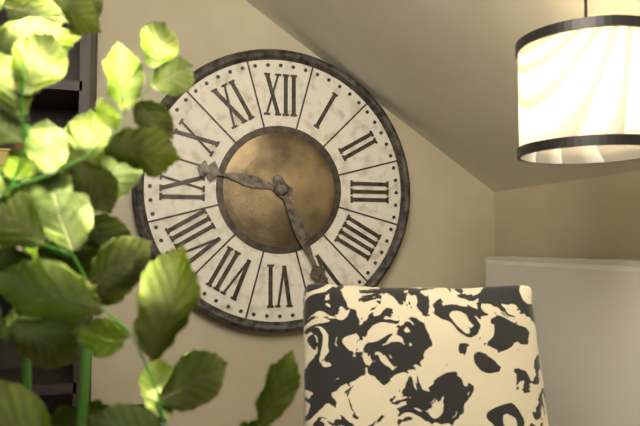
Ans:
9 h 26 min
